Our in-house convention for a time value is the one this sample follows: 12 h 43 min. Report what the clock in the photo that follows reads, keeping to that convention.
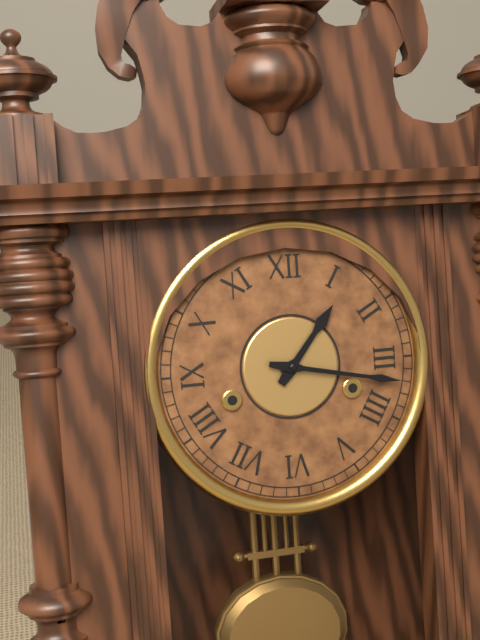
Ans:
1 h 17 min
